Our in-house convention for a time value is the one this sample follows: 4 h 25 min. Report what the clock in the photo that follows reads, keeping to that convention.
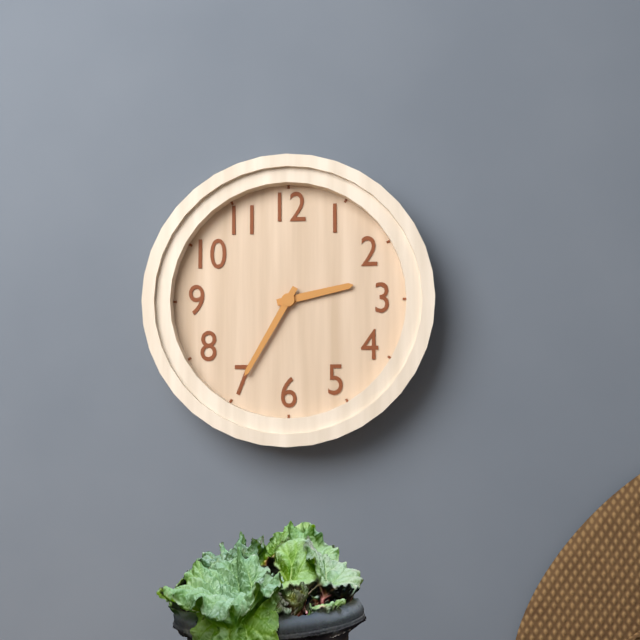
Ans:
2 h 35 min
